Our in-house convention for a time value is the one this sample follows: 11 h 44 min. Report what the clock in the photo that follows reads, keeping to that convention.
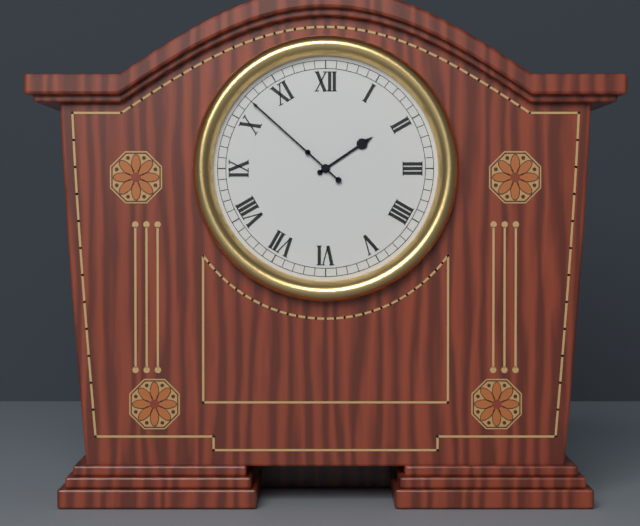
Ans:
1 h 52 min
